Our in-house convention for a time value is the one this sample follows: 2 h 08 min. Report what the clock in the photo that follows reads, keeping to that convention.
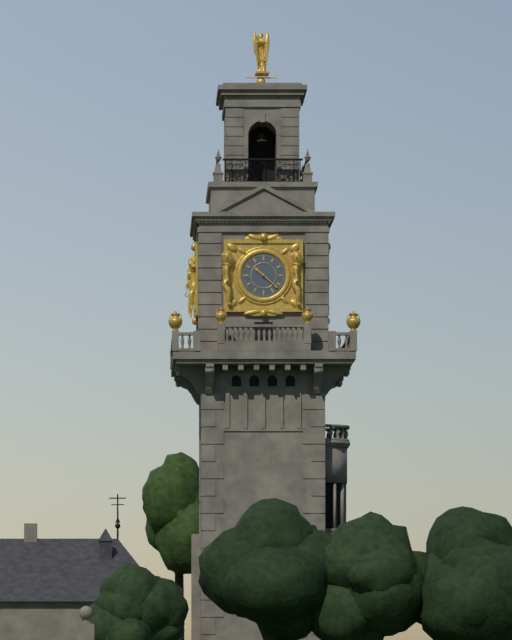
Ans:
10 h 22 min
